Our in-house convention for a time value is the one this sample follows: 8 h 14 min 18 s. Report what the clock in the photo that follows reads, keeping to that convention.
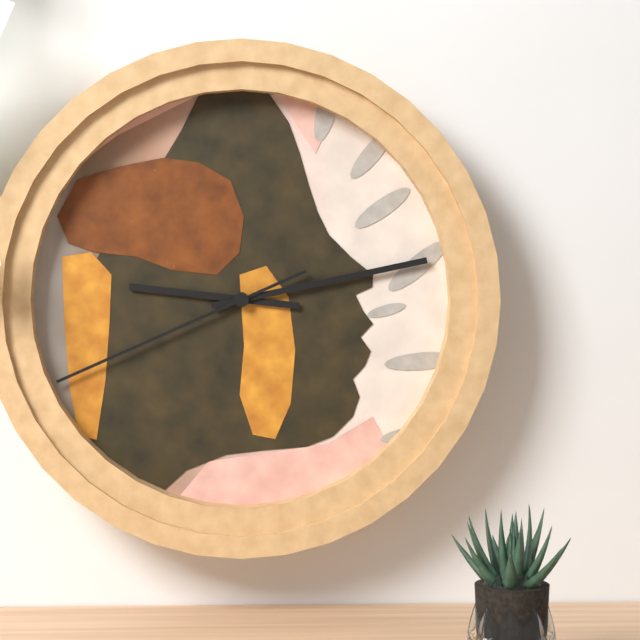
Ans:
9 h 13 min 41 s
